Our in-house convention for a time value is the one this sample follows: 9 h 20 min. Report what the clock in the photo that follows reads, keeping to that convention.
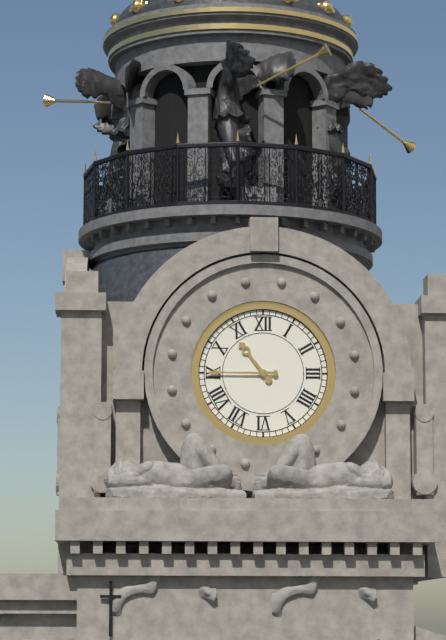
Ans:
10 h 45 min
